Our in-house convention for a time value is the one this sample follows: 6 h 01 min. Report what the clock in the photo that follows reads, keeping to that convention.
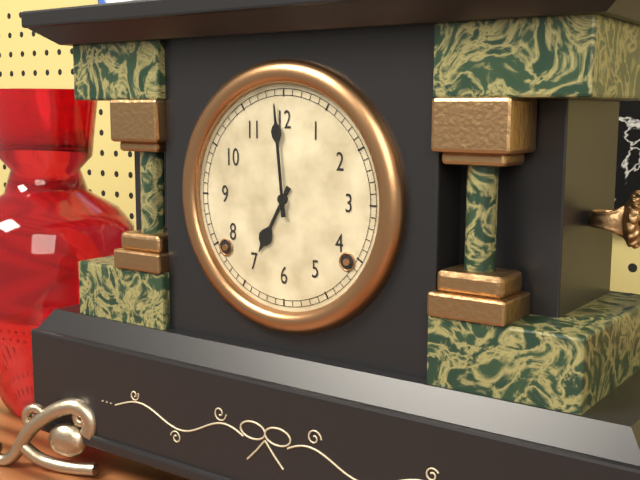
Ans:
6 h 59 min
